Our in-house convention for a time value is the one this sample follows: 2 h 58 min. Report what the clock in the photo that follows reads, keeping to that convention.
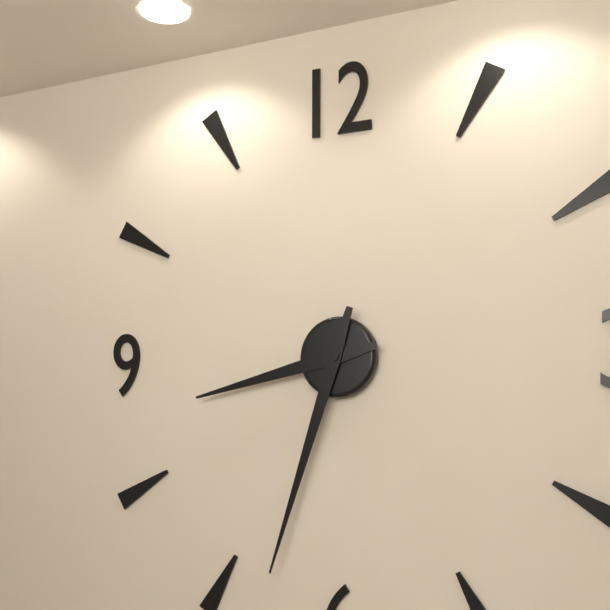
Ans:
8 h 33 min
